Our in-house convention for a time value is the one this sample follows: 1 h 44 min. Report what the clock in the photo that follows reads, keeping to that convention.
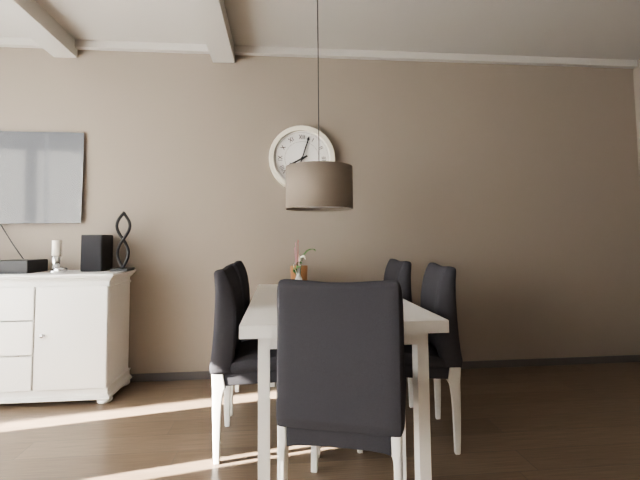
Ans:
8 h 03 min
